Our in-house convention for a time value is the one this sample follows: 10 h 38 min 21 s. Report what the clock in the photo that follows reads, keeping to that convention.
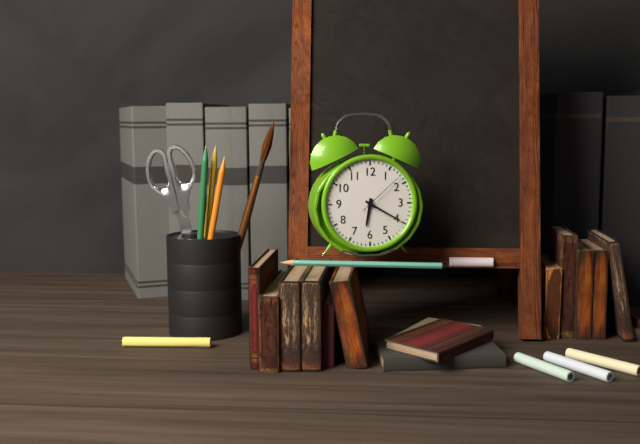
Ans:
6 h 20 min 08 s
